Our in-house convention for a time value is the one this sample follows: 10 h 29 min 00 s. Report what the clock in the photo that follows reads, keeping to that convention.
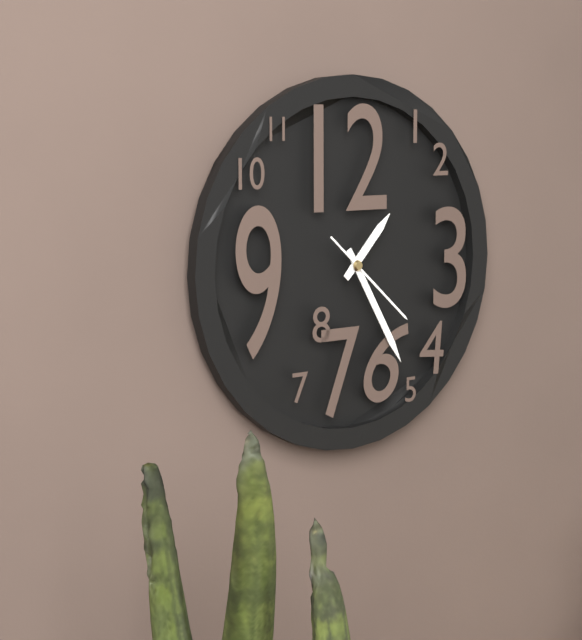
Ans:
1 h 25 min 22 s
